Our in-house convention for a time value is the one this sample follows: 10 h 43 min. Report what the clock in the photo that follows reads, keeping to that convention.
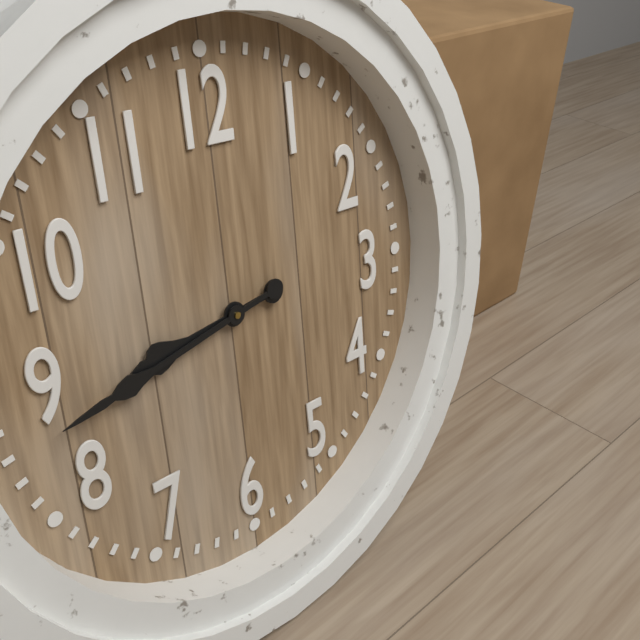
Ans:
8 h 43 min
